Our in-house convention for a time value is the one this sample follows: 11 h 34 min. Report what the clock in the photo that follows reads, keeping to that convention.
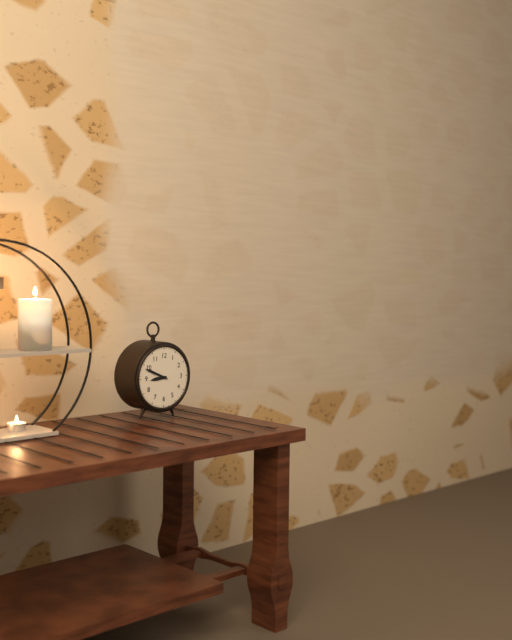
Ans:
8 h 49 min
